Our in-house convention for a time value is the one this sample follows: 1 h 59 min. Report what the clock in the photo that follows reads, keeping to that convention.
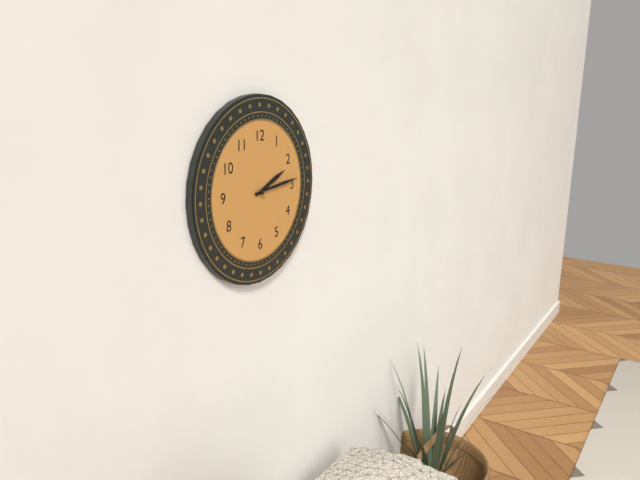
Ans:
2 h 14 min
